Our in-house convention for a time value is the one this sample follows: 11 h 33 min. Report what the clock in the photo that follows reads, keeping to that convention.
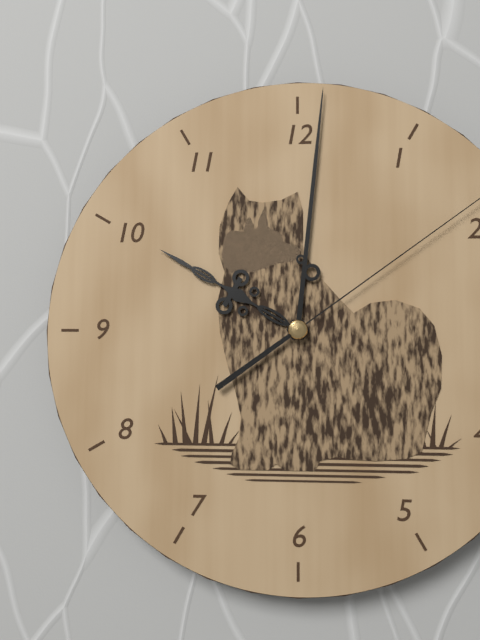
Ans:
10 h 01 min
